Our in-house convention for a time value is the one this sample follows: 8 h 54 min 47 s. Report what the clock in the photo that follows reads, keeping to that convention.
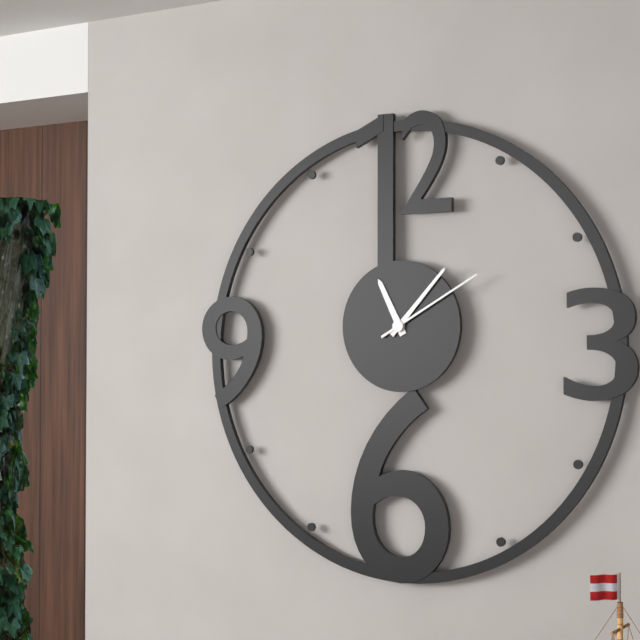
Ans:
11 h 07 min 10 s
